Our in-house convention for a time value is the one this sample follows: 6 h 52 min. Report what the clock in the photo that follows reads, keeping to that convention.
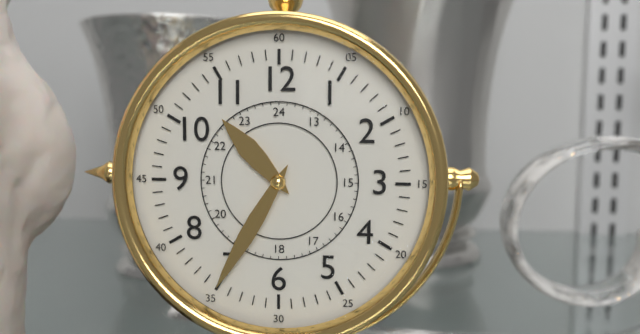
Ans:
10 h 35 min
